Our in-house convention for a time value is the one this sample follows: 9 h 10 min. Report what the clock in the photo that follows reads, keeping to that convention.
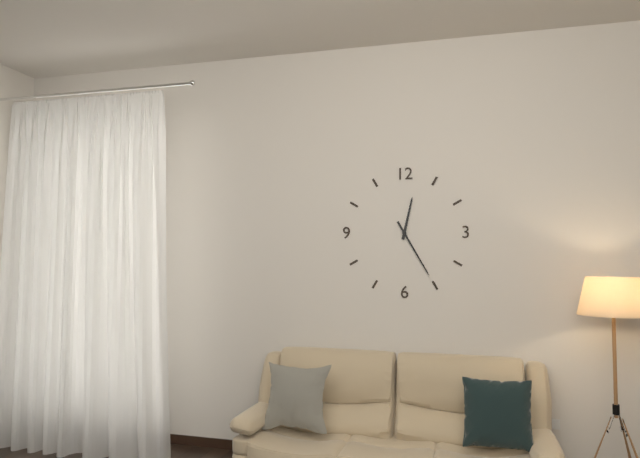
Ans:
12 h 25 min
